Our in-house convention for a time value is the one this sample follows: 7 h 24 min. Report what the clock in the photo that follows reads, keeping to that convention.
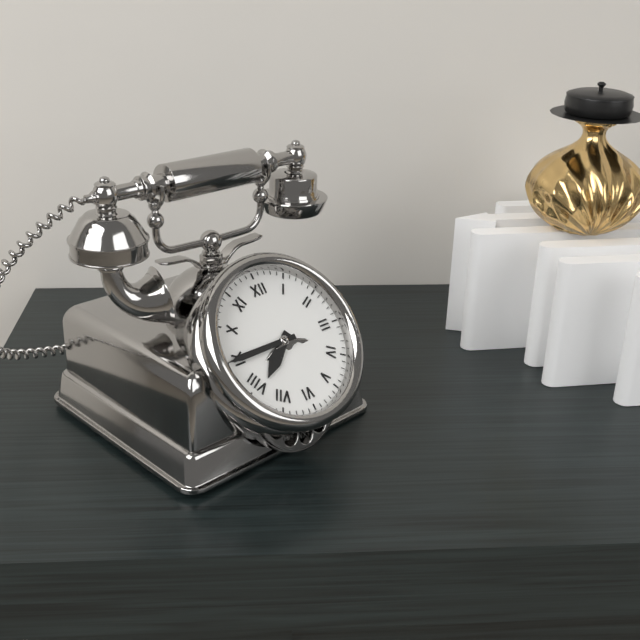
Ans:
7 h 45 min
